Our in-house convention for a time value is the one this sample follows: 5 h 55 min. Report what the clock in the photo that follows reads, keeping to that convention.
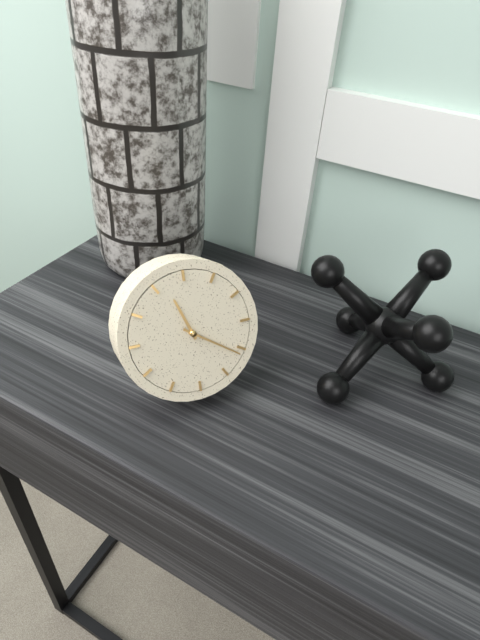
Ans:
11 h 21 min
